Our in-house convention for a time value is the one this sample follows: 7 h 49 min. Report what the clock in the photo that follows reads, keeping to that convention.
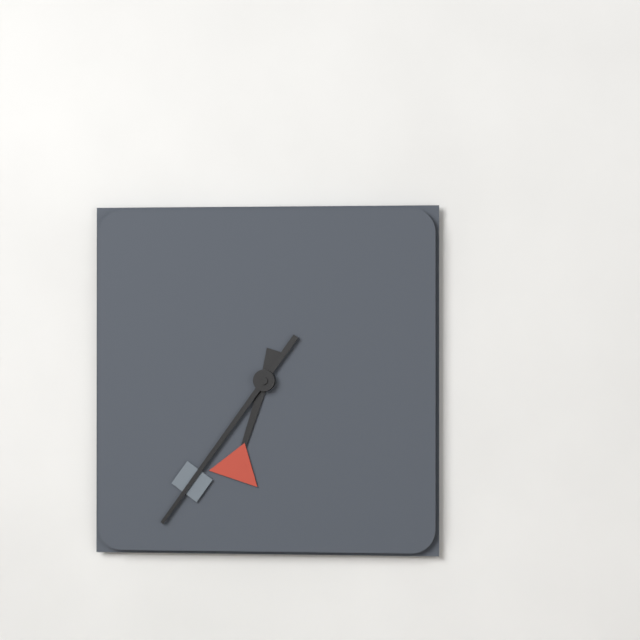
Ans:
6 h 36 min
